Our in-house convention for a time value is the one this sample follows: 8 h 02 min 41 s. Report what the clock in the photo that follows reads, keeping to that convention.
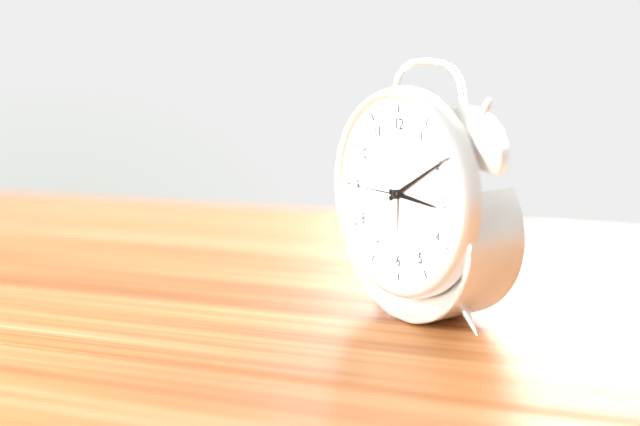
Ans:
3 h 10 min 45 s
